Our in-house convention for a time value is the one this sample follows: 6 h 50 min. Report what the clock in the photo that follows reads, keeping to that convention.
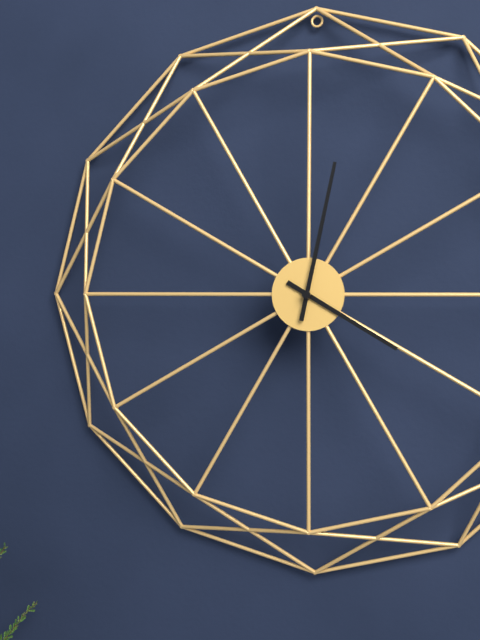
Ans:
4 h 02 min
